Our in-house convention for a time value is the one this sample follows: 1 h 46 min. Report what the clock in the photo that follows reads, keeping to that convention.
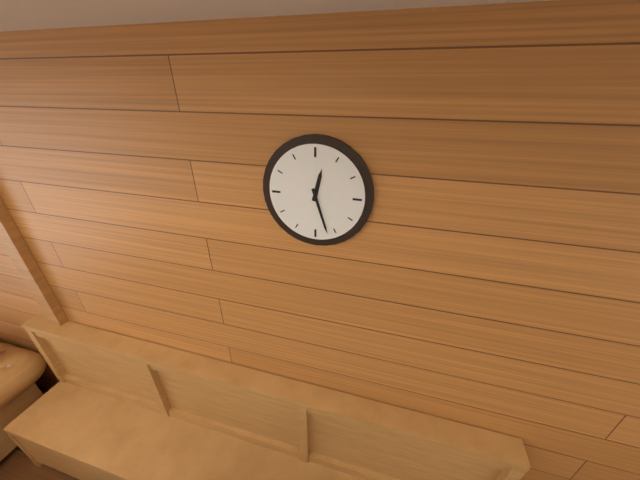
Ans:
12 h 27 min
